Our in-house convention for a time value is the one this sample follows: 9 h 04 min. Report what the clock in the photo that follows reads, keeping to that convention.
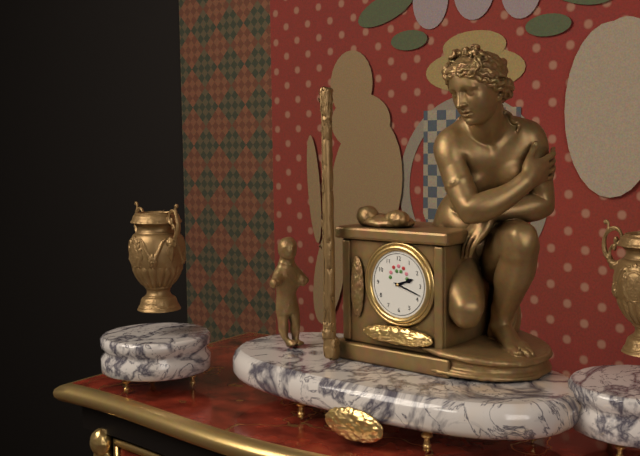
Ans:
2 h 18 min
